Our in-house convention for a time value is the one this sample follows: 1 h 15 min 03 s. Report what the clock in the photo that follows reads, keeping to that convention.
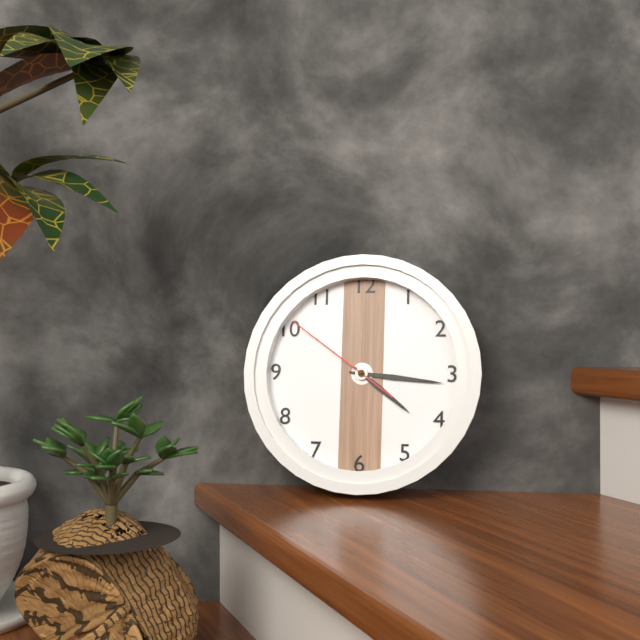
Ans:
4 h 16 min 51 s
